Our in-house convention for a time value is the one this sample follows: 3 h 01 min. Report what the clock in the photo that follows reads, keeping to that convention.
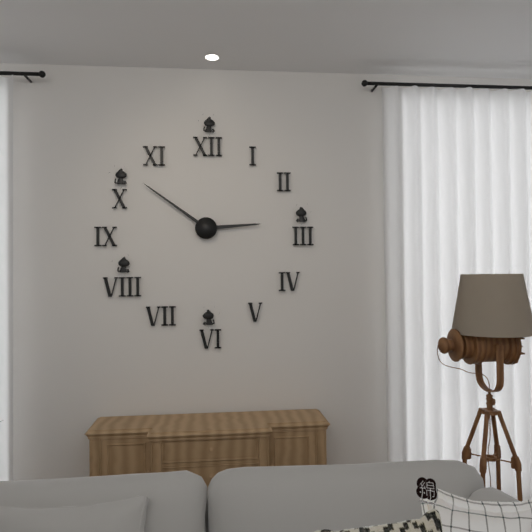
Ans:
2 h 51 min
